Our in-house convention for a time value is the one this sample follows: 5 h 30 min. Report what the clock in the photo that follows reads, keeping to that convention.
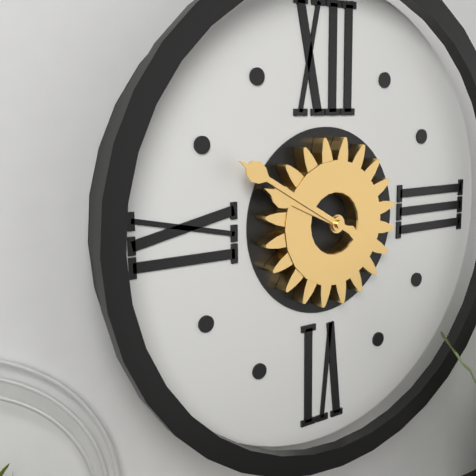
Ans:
9 h 50 min
